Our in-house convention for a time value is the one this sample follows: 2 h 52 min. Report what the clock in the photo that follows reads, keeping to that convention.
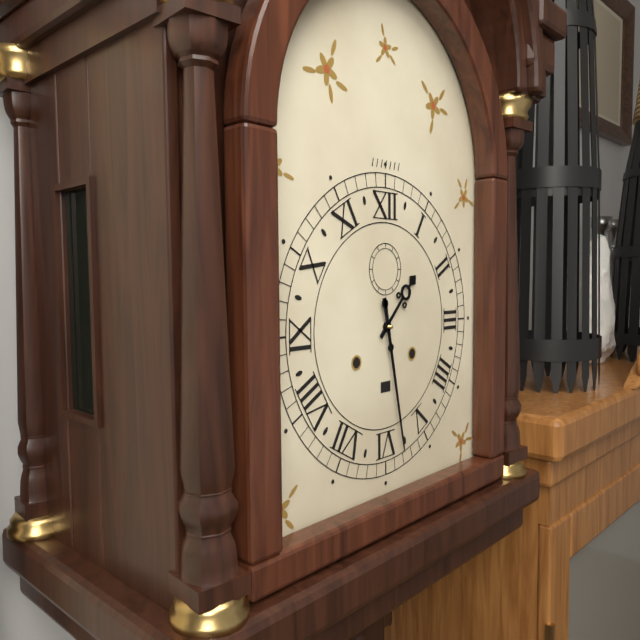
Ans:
1 h 28 min
